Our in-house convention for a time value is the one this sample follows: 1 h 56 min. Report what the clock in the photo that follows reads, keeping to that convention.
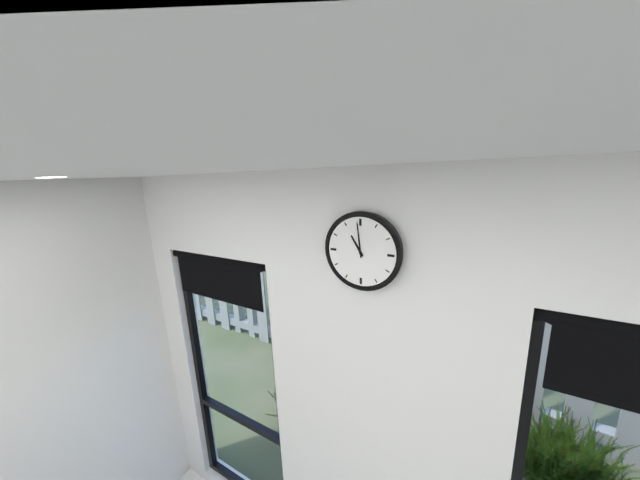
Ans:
10 h 59 min
